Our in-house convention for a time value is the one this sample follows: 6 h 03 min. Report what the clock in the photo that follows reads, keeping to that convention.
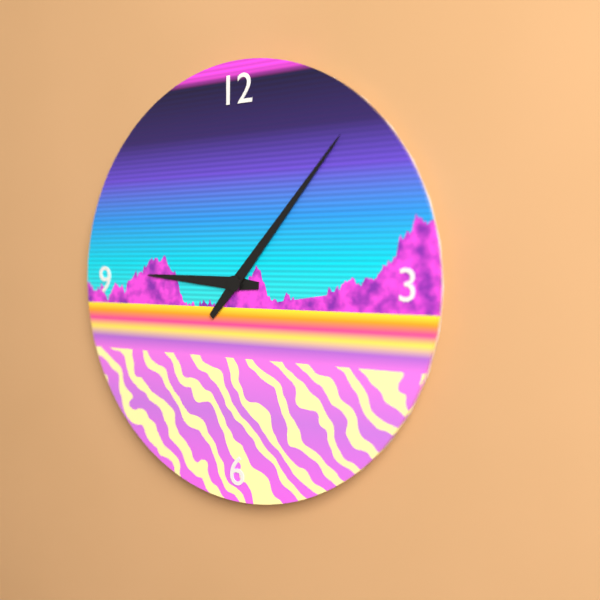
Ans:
9 h 07 min
